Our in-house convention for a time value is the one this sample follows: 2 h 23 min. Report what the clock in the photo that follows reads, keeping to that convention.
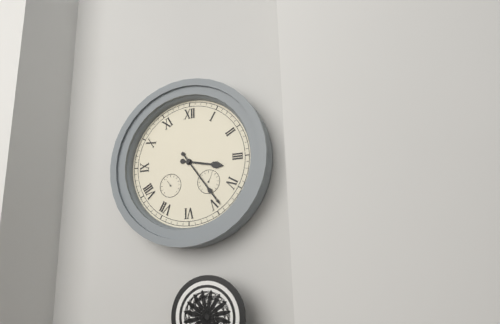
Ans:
3 h 24 min
